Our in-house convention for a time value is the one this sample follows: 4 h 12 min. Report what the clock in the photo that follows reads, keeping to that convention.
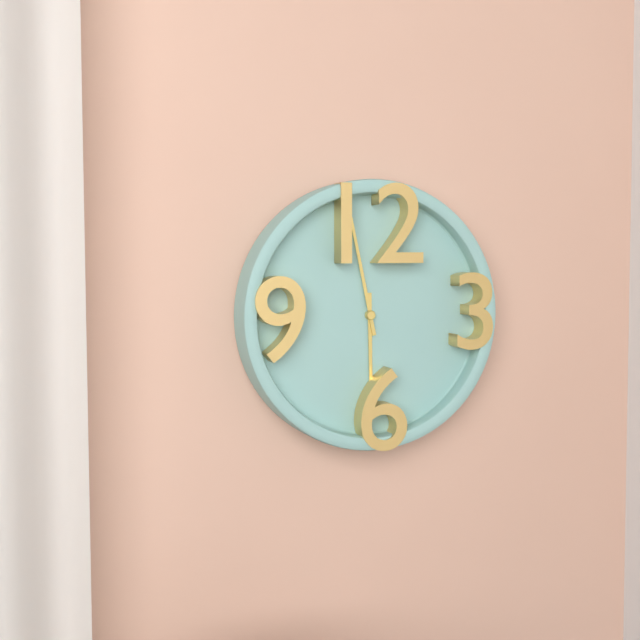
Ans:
5 h 58 min
